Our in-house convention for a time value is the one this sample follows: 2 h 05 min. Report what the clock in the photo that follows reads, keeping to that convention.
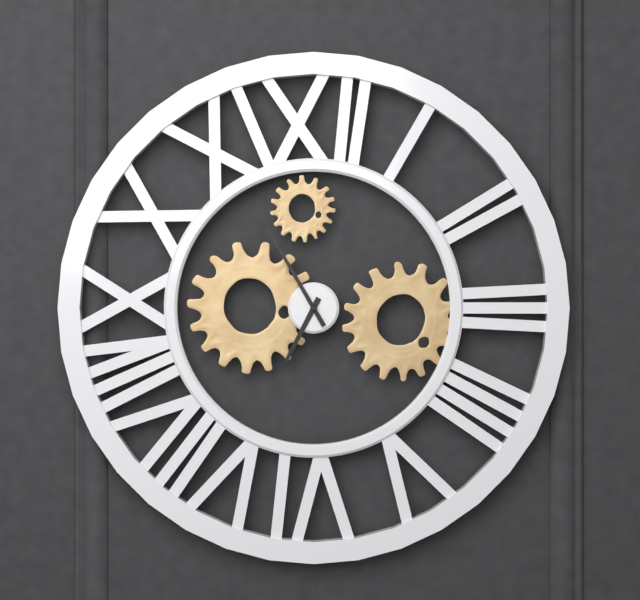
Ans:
6 h 55 min
